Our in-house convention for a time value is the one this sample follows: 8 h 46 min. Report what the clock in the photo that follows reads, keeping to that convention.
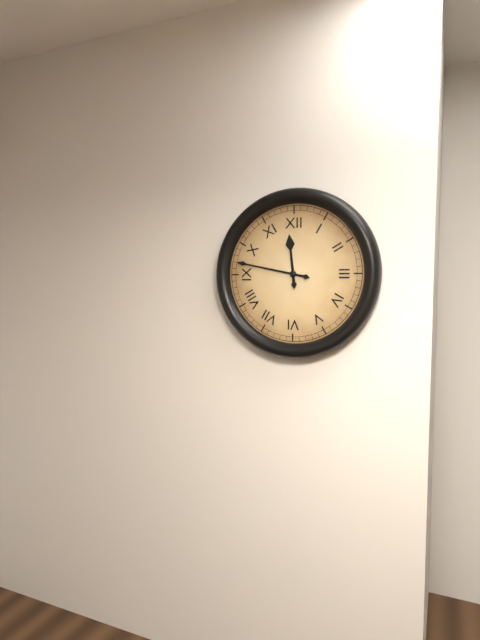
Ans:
11 h 47 min
